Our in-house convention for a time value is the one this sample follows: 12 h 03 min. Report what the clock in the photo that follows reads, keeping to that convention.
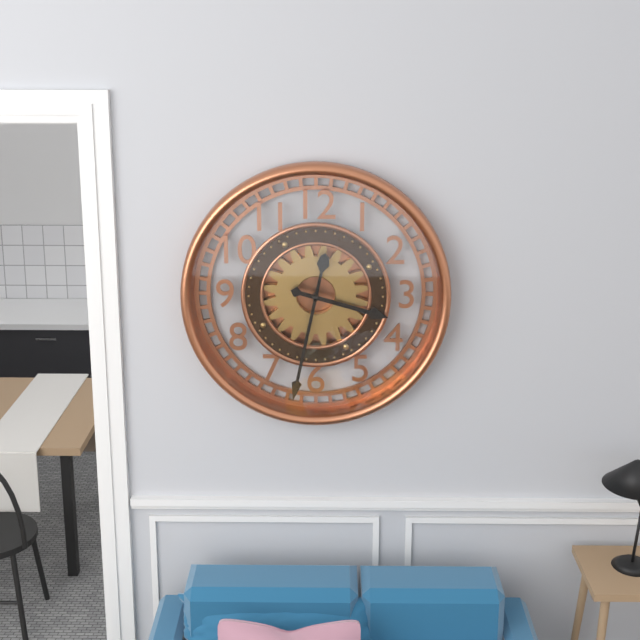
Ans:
3 h 32 min
